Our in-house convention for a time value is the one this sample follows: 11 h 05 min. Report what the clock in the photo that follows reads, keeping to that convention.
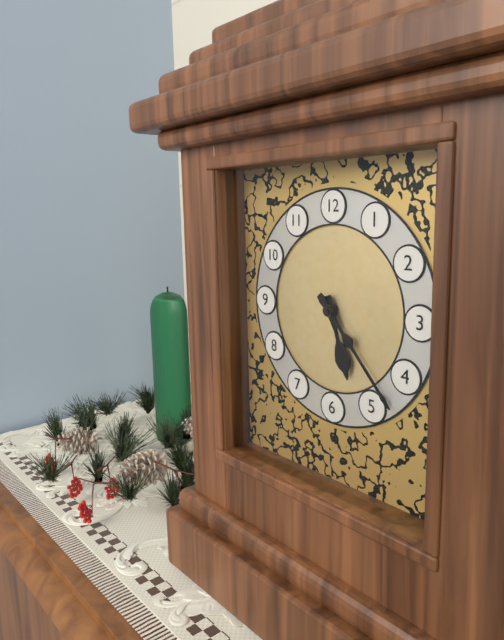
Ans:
5 h 23 min
